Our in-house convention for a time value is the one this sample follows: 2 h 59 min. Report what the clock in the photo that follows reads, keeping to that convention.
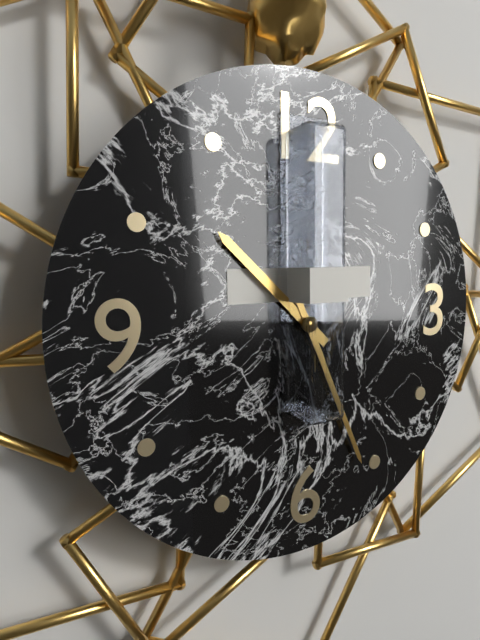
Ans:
10 h 26 min
